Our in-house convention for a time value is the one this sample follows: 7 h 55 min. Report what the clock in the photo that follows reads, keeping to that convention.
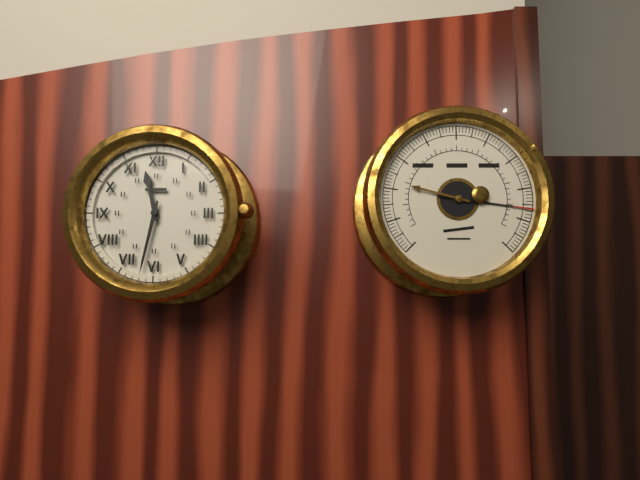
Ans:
11 h 32 min
